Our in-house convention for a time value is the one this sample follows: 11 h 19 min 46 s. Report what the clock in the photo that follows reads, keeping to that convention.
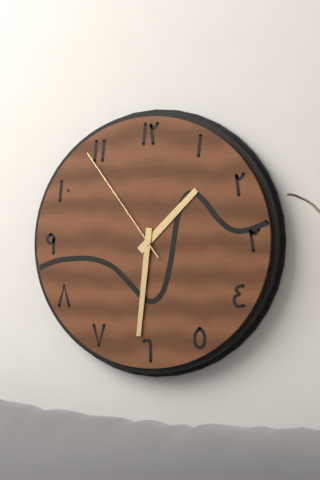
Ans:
1 h 31 min 54 s
